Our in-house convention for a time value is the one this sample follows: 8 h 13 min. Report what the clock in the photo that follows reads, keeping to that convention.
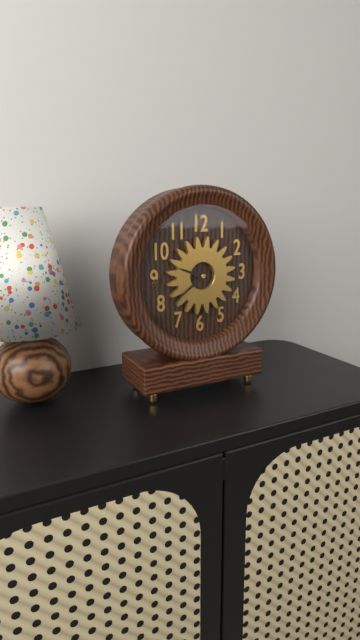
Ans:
9 h 39 min
